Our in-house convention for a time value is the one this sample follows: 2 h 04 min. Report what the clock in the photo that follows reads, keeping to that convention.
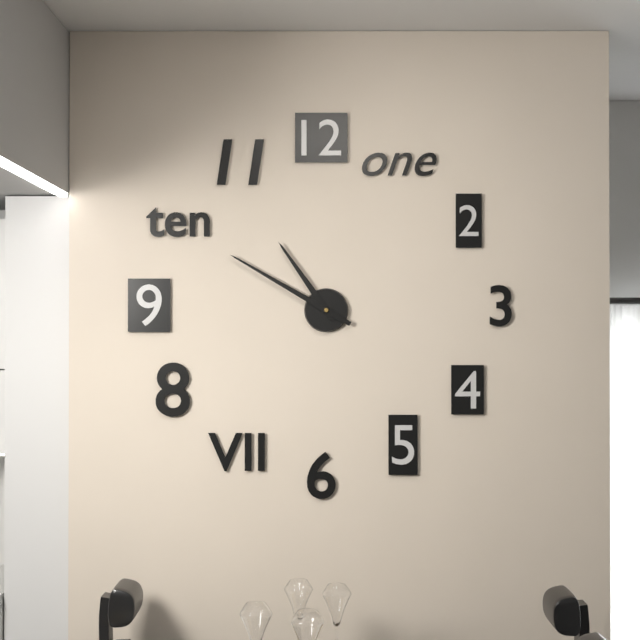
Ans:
10 h 50 min
